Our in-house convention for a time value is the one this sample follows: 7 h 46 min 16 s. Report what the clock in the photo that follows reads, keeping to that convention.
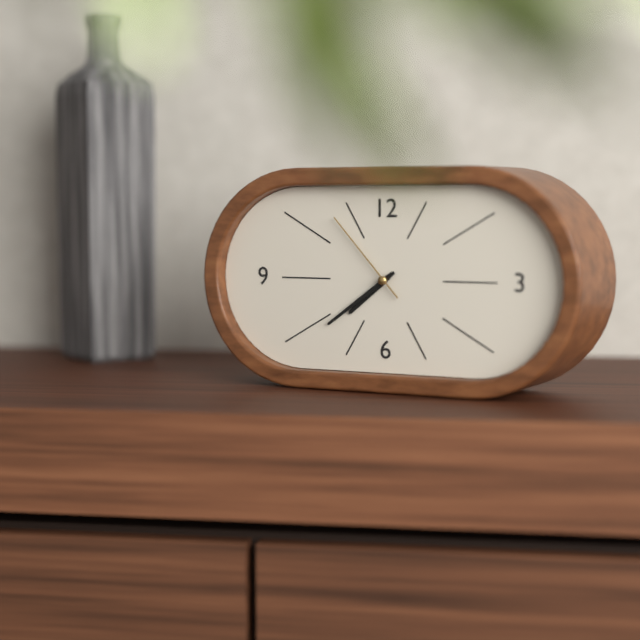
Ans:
7 h 39 min 53 s
